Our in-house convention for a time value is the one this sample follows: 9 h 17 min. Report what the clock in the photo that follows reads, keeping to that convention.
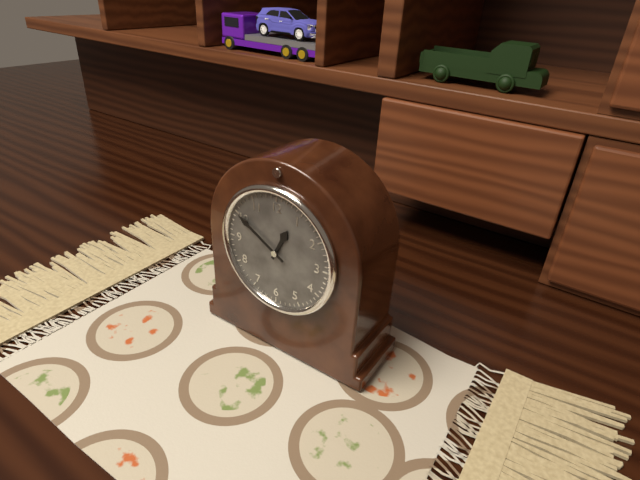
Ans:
12 h 50 min
